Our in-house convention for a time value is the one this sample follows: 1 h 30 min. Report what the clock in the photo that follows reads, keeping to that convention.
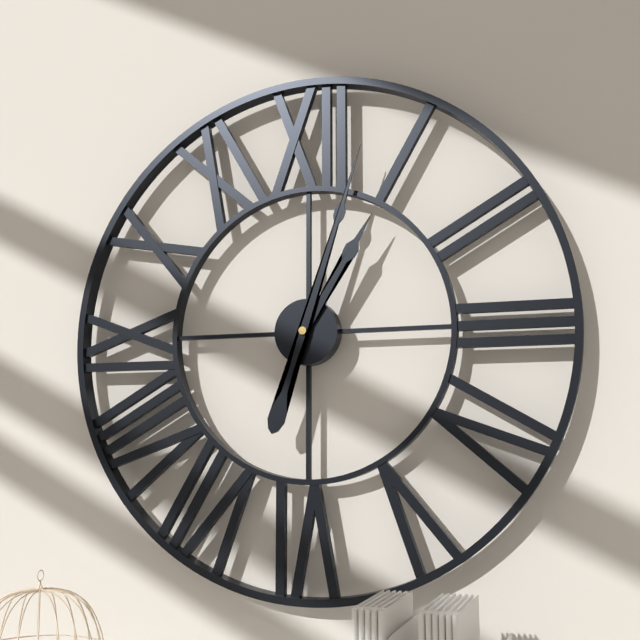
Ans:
1 h 03 min
